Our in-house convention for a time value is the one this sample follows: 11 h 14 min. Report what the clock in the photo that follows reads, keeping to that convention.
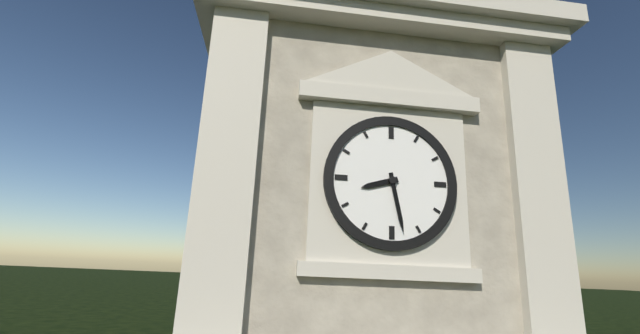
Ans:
8 h 28 min
